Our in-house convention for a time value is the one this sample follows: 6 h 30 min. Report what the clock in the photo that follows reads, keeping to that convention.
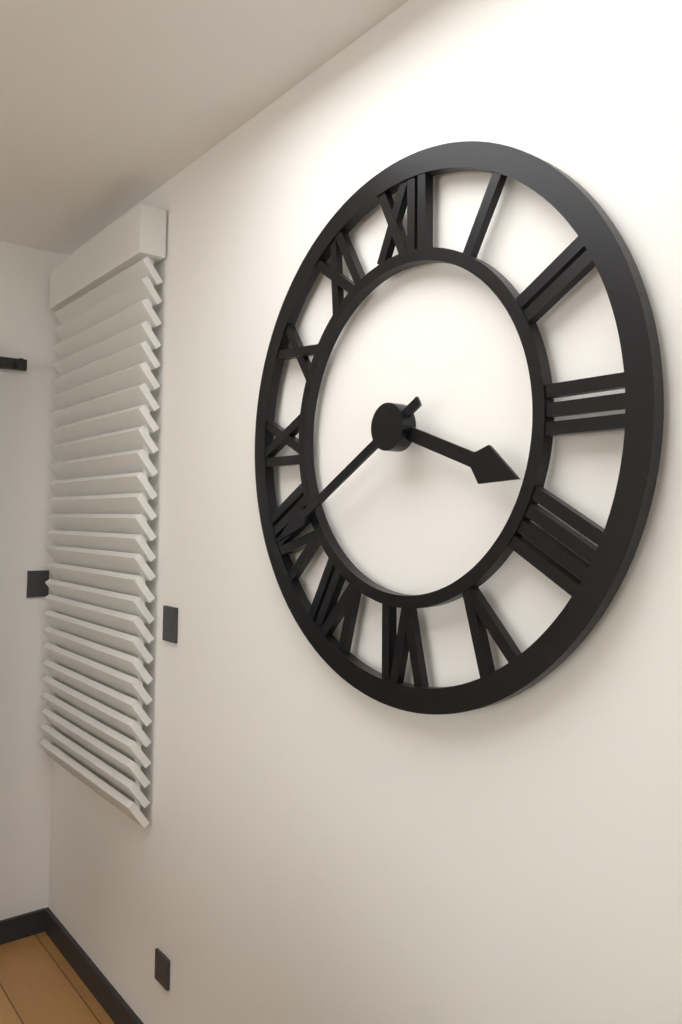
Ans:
3 h 40 min
